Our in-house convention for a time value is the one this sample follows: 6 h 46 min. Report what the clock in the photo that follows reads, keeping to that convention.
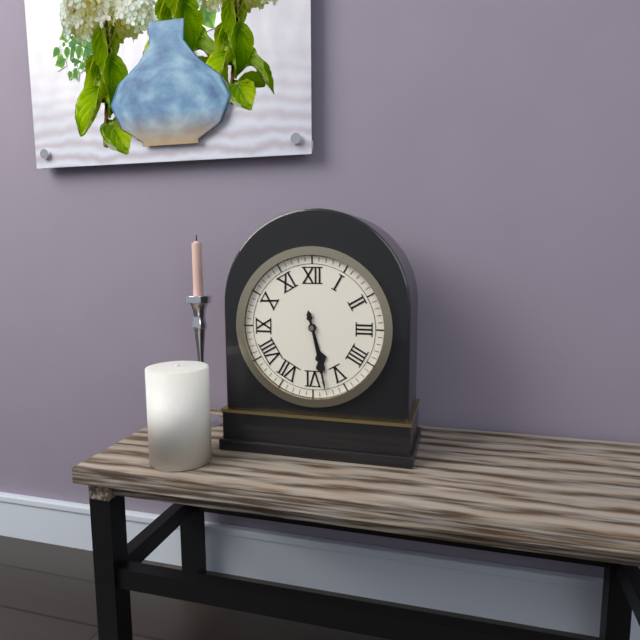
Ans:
5 h 28 min
